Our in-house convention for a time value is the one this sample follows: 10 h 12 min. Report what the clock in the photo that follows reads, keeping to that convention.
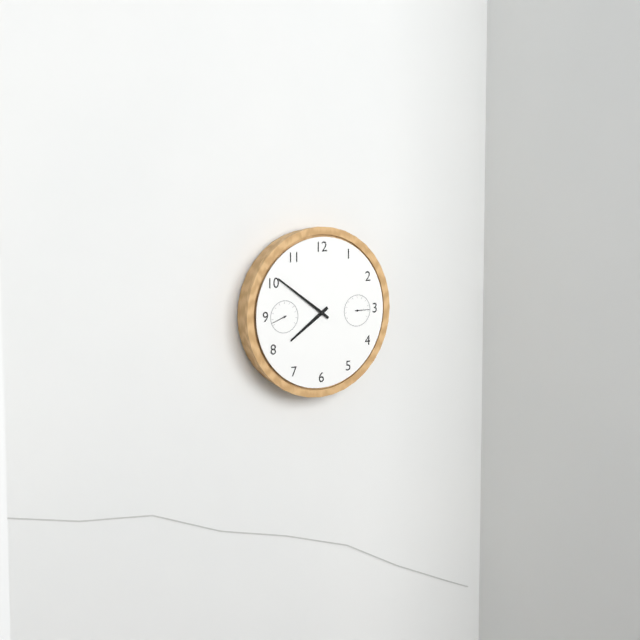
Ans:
7 h 51 min
